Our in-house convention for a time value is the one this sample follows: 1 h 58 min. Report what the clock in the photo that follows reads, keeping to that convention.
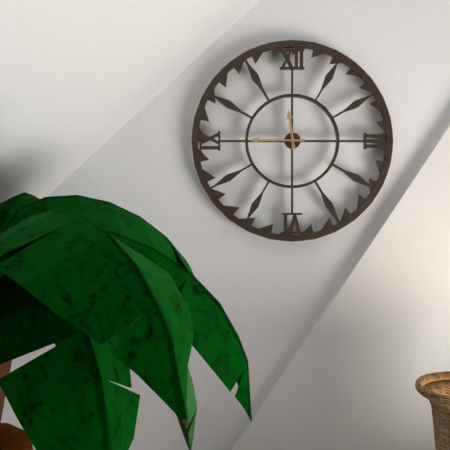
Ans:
11 h 45 min
